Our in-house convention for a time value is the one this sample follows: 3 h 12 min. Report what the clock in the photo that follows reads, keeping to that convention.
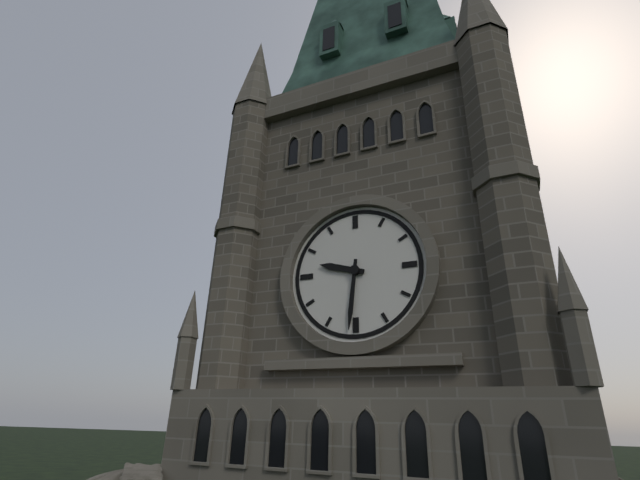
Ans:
9 h 31 min
